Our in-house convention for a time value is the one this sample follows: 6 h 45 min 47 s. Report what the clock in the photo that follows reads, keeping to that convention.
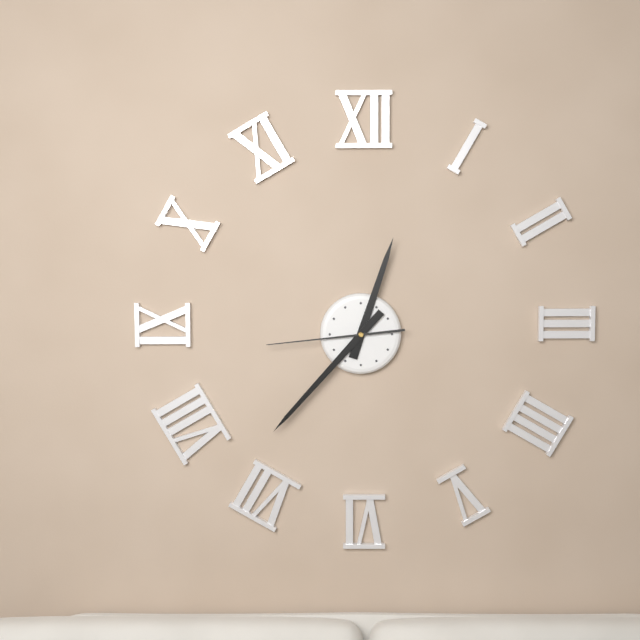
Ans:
12 h 37 min 44 s
